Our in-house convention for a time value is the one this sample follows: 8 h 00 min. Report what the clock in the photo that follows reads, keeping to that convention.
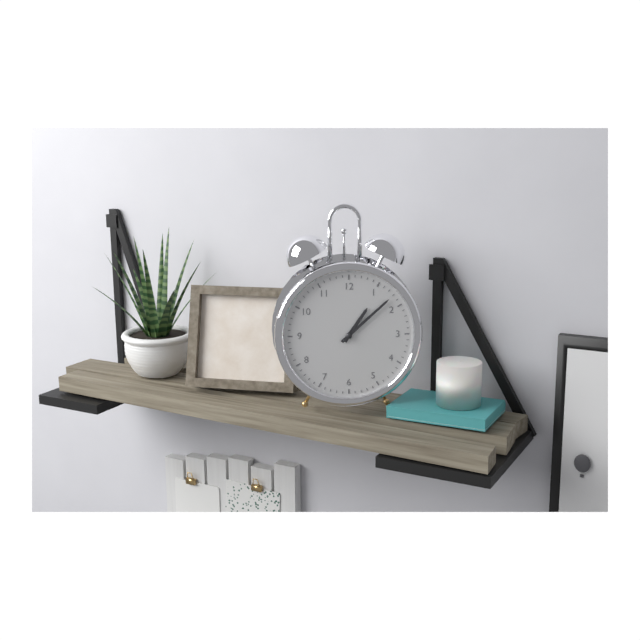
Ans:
1 h 08 min
